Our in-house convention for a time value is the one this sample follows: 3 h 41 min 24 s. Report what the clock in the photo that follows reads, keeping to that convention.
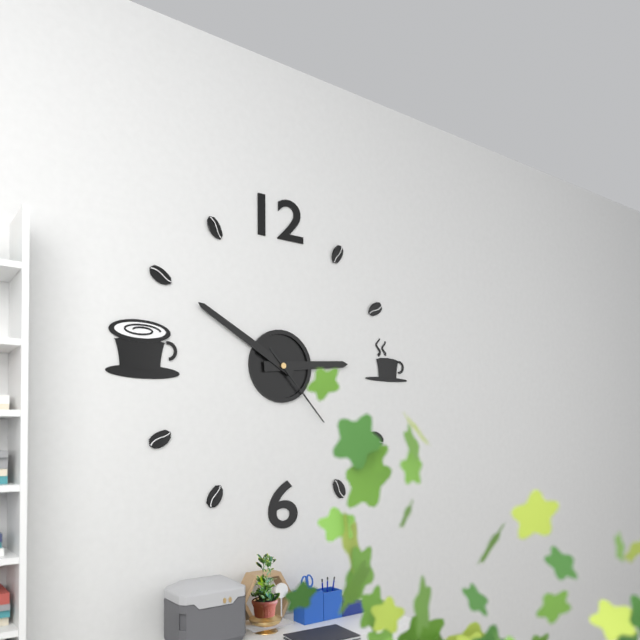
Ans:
2 h 50 min 23 s
